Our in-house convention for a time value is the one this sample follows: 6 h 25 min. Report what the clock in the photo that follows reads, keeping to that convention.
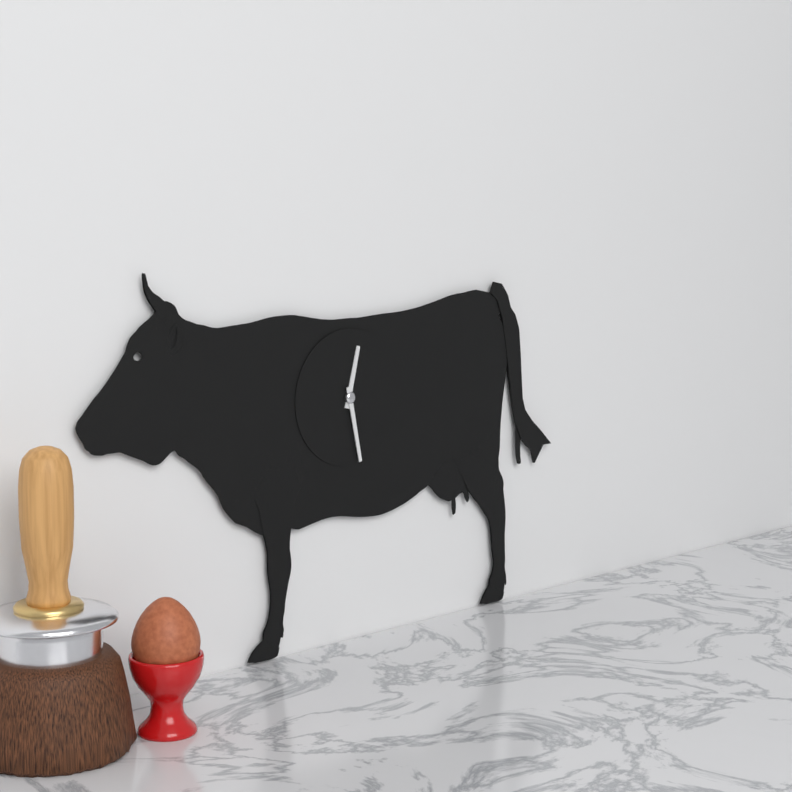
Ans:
12 h 28 min
